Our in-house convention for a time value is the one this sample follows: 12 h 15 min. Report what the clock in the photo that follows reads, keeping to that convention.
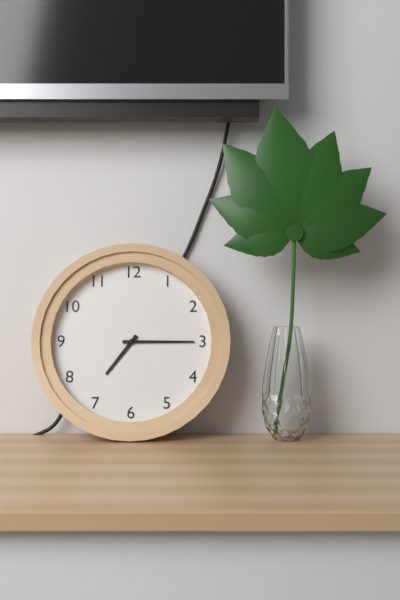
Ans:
7 h 15 min
